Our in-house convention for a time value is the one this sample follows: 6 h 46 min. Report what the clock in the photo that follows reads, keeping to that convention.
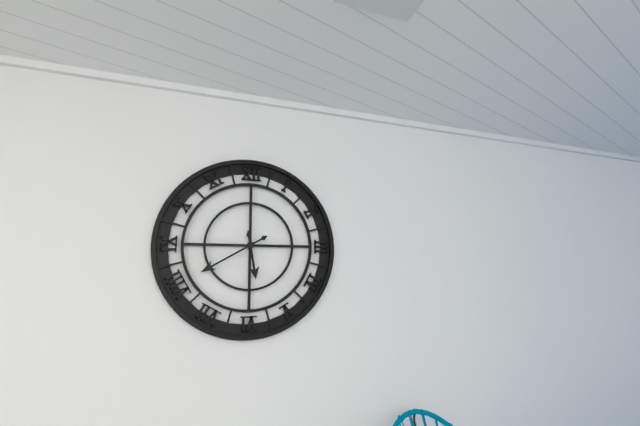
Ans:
5 h 40 min
